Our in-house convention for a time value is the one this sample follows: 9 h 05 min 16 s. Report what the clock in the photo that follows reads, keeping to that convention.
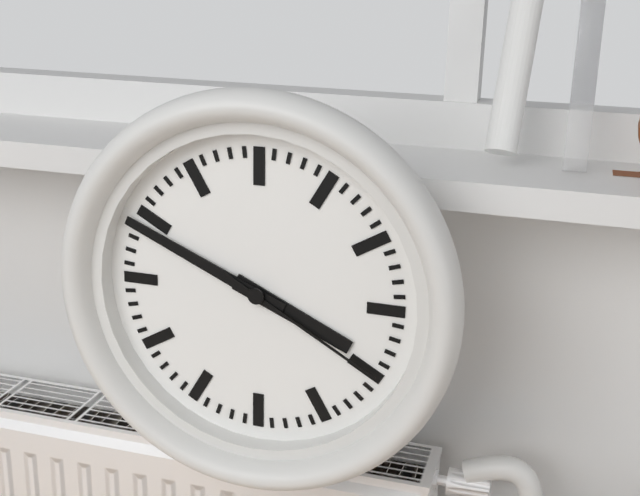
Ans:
3 h 49 min 20 s
